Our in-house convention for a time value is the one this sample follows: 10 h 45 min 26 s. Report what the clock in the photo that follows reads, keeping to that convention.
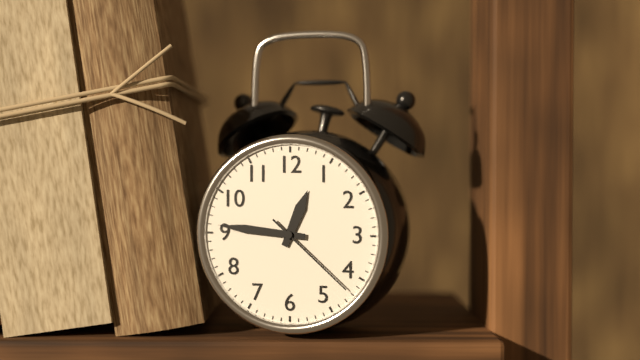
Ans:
12 h 46 min 22 s
